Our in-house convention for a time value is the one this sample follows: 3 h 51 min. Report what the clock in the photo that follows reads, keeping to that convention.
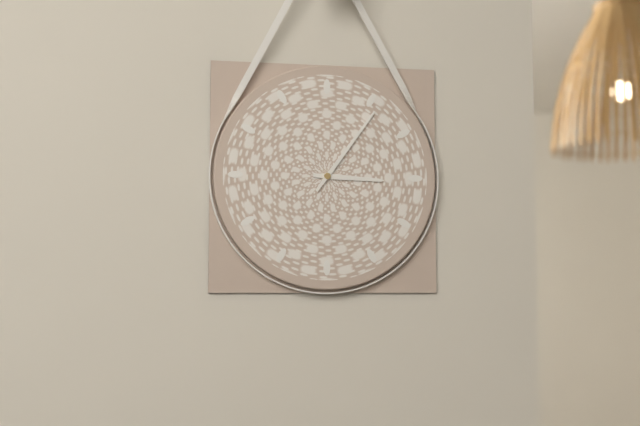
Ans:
3 h 06 min
